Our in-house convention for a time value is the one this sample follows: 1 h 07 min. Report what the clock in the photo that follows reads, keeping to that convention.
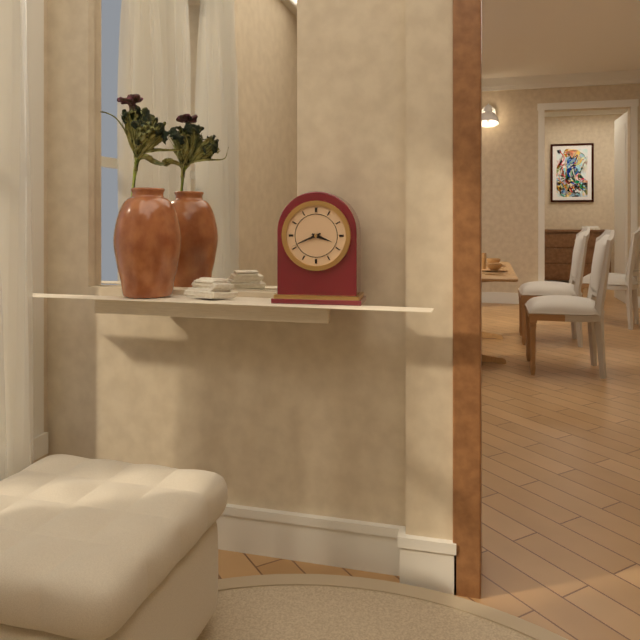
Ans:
3 h 41 min
